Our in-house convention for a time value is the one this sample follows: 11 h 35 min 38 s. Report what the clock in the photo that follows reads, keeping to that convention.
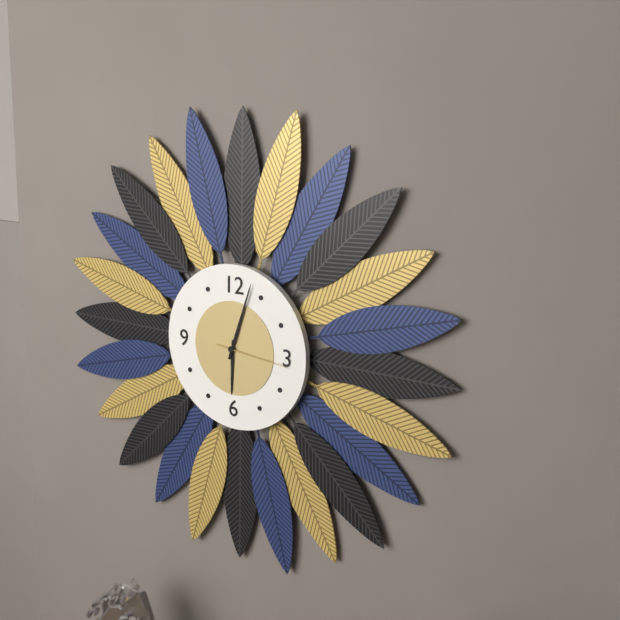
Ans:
6 h 03 min 16 s
